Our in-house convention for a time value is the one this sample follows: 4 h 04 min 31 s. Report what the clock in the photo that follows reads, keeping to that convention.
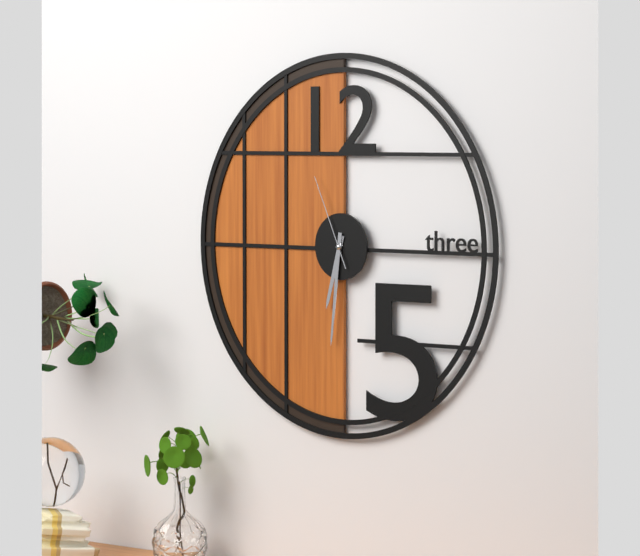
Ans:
6 h 31 min 56 s
